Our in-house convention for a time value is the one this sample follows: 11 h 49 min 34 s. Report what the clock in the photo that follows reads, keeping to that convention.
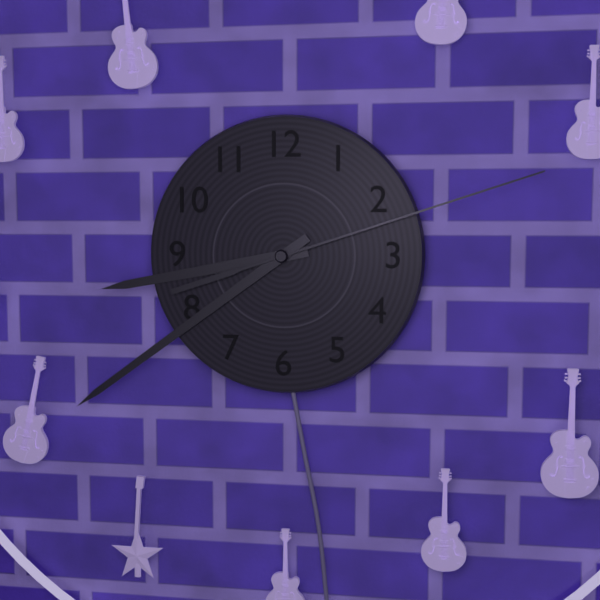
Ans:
8 h 39 min 12 s
